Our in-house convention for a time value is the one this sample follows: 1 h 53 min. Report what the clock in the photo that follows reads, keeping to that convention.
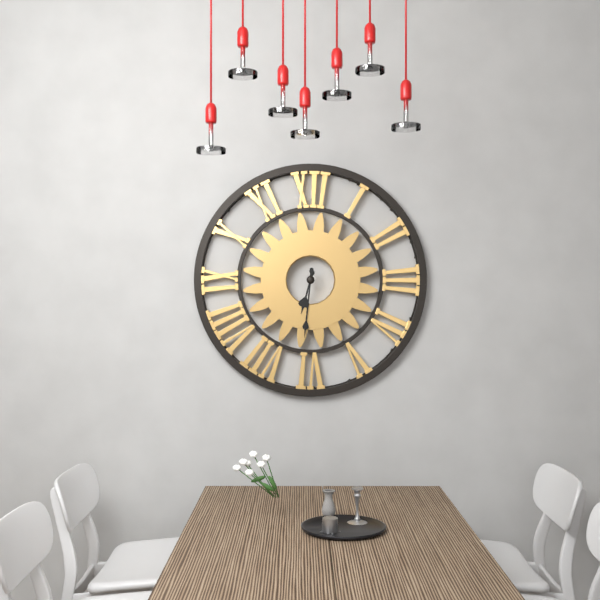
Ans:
6 h 31 min
